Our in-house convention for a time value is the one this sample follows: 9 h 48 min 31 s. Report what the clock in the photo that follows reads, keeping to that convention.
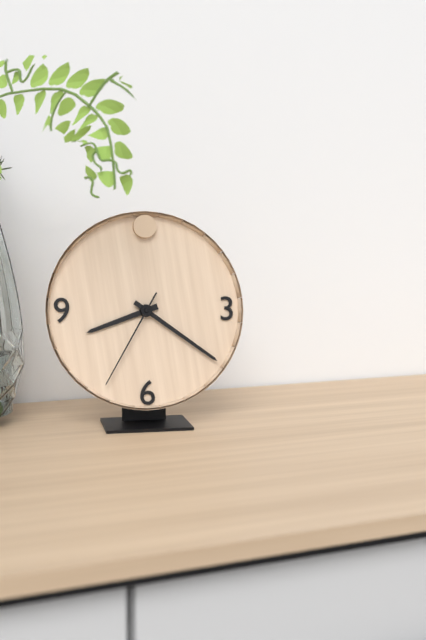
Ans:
8 h 21 min 35 s
